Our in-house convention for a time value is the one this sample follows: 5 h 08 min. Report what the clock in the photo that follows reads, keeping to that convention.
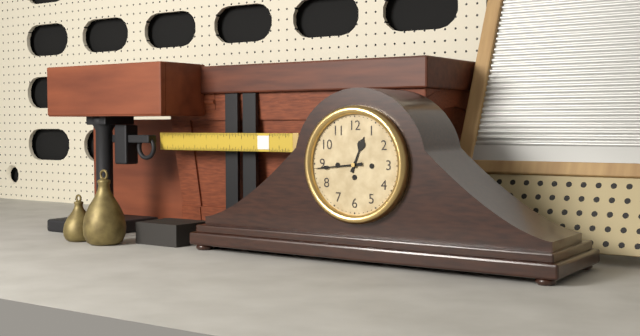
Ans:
12 h 44 min
